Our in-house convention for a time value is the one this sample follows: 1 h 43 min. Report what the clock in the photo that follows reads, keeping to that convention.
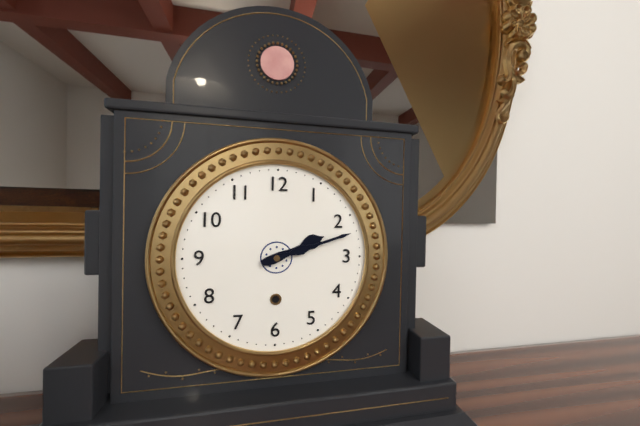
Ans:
2 h 12 min
